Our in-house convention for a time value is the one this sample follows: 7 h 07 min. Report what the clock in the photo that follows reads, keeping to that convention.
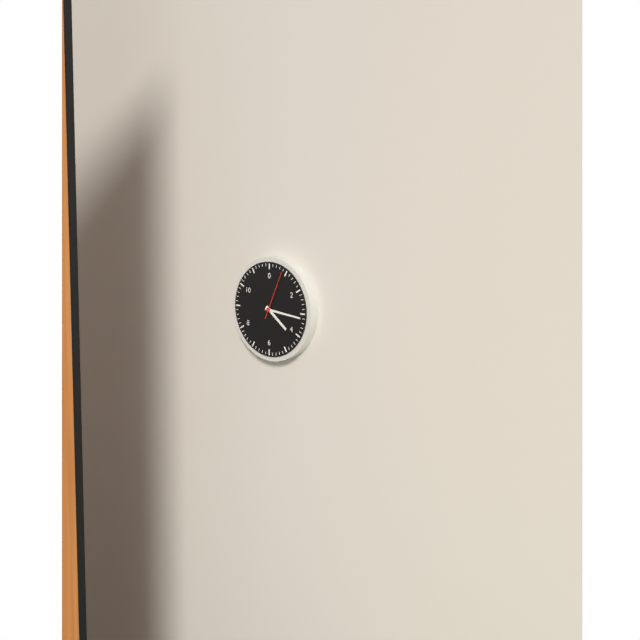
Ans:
4 h 16 min
